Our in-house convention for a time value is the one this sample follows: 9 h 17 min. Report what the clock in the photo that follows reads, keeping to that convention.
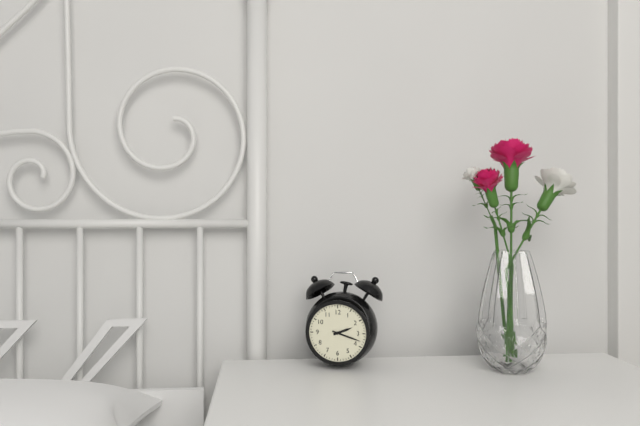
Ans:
2 h 18 min
